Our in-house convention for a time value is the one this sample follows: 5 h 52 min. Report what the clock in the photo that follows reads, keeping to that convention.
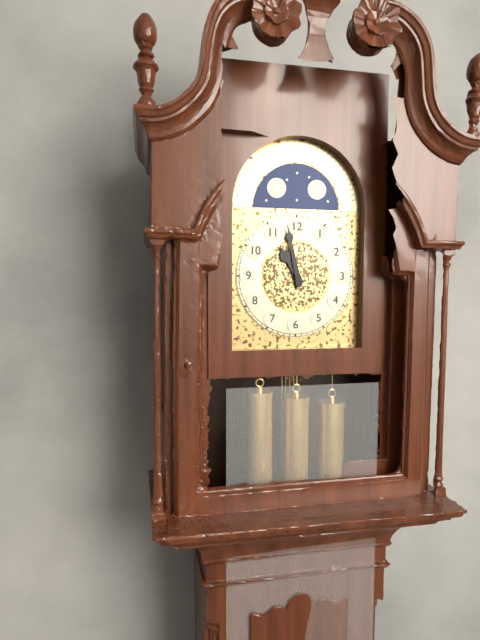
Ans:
10 h 58 min
